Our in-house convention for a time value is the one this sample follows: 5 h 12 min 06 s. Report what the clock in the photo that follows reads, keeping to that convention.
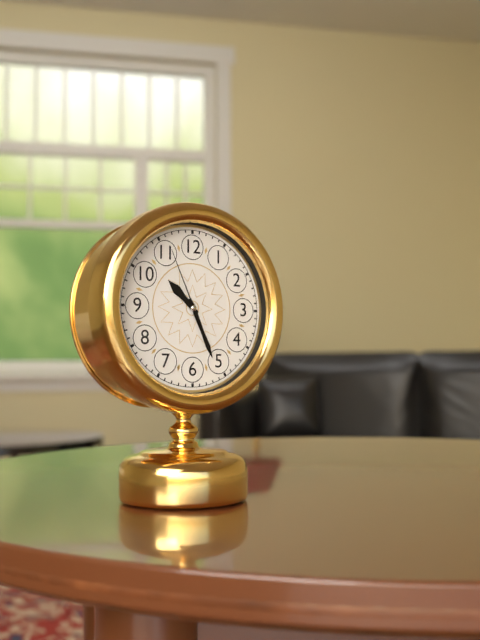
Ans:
10 h 26 min 56 s
